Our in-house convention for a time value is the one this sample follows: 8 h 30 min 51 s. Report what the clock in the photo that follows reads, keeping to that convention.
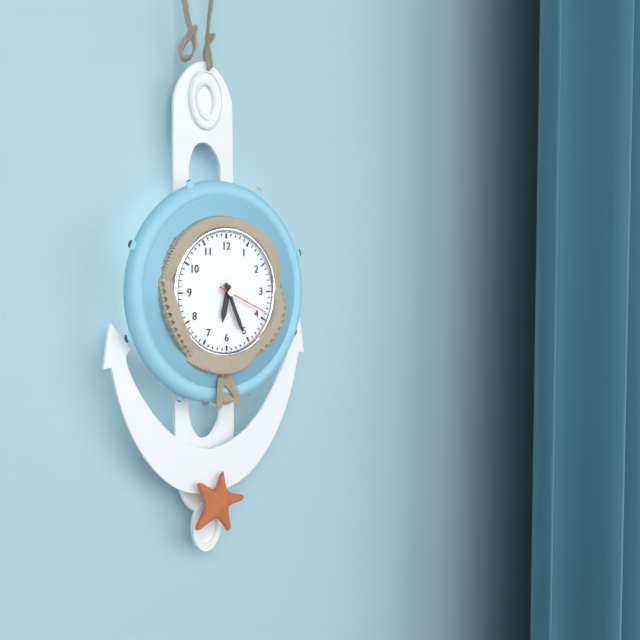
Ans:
6 h 26 min 19 s
